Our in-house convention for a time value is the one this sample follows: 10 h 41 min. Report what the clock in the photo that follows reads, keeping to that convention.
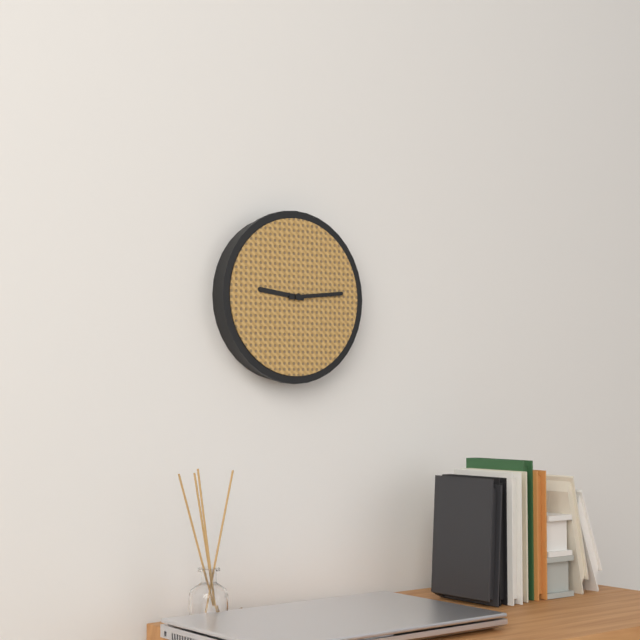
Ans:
9 h 14 min
